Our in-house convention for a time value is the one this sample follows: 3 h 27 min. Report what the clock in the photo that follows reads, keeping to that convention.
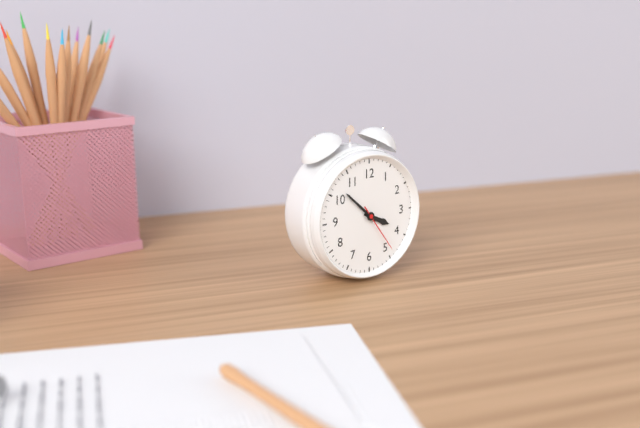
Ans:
3 h 52 min
